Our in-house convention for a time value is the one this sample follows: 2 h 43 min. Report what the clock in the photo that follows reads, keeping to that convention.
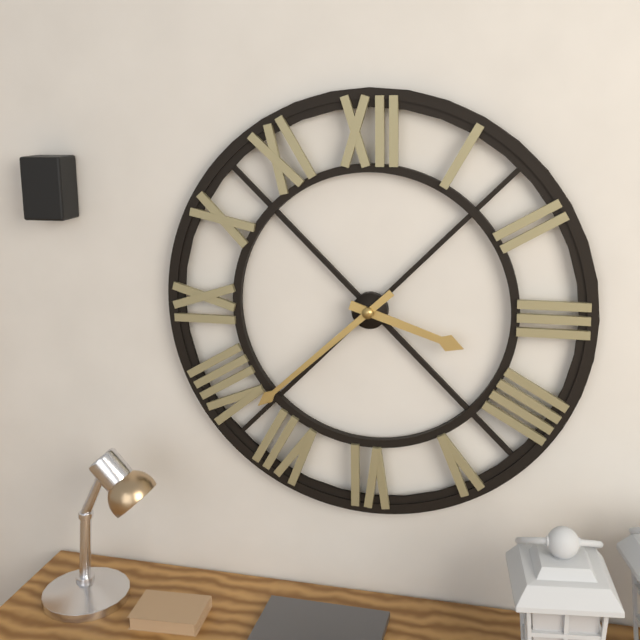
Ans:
3 h 38 min
